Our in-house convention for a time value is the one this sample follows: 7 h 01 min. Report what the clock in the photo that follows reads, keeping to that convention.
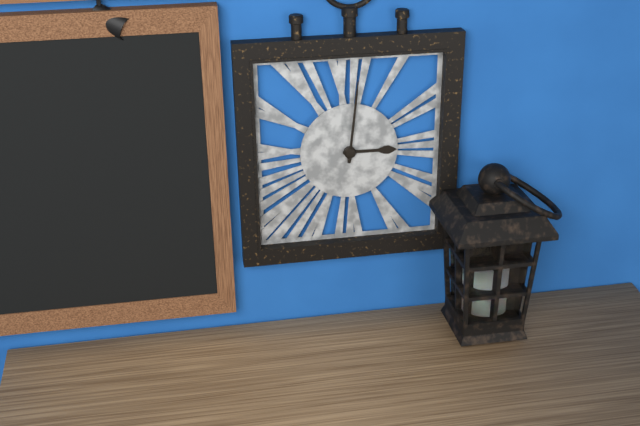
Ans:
3 h 01 min
